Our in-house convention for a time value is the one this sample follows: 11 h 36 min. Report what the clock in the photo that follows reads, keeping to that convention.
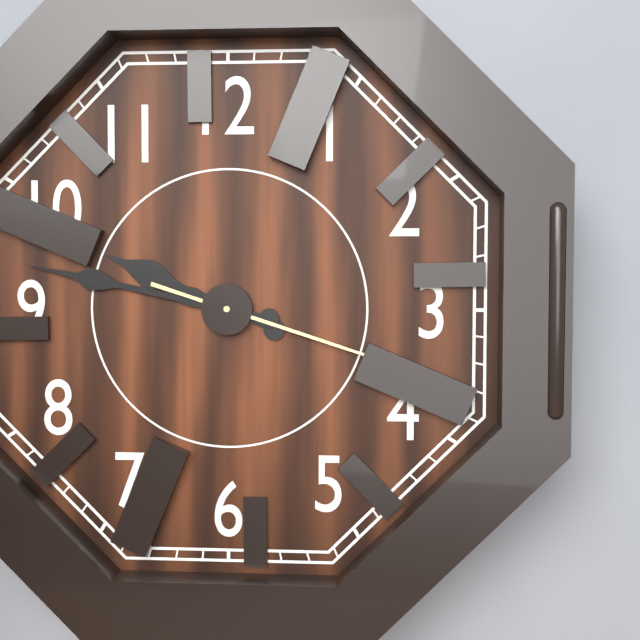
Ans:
9 h 47 min
